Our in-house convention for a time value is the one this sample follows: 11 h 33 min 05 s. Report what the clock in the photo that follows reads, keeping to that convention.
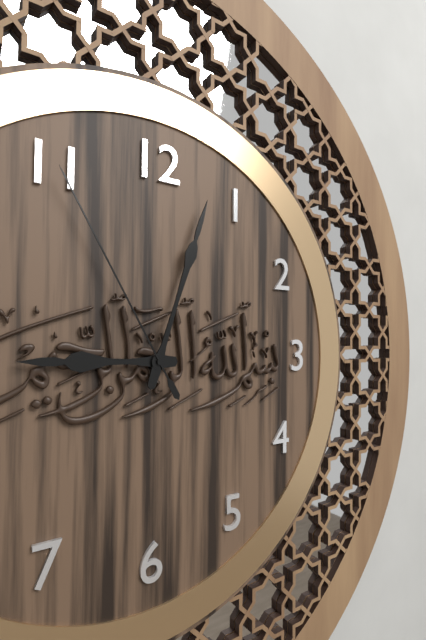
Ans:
9 h 03 min 55 s
